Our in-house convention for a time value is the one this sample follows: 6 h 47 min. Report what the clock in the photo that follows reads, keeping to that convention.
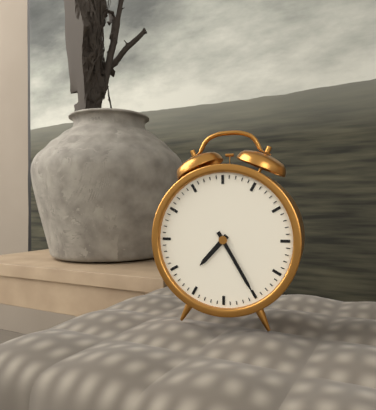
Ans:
7 h 25 min
